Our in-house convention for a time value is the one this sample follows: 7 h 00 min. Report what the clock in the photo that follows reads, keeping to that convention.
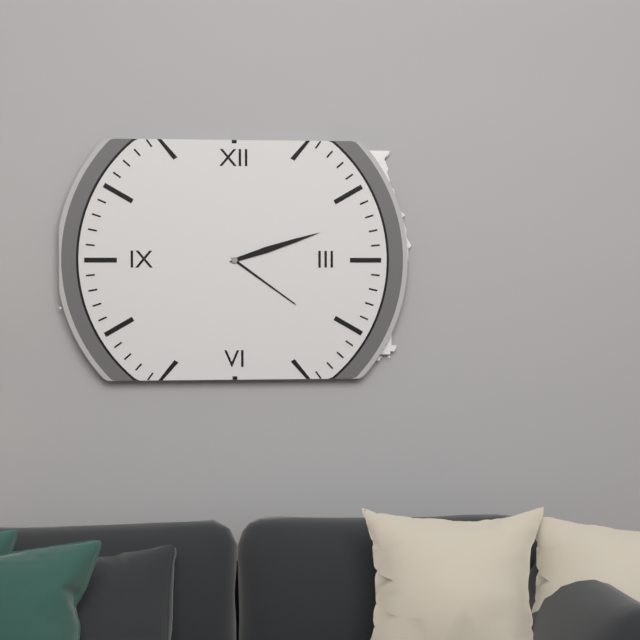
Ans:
4 h 12 min
